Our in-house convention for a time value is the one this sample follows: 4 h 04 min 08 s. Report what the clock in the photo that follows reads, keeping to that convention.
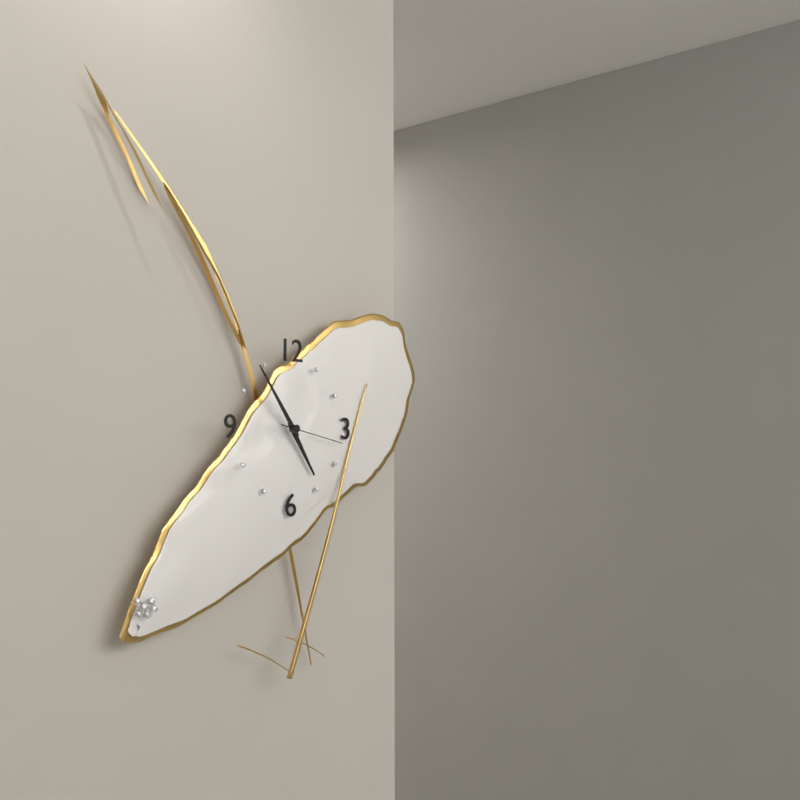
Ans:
4 h 54 min 17 s
